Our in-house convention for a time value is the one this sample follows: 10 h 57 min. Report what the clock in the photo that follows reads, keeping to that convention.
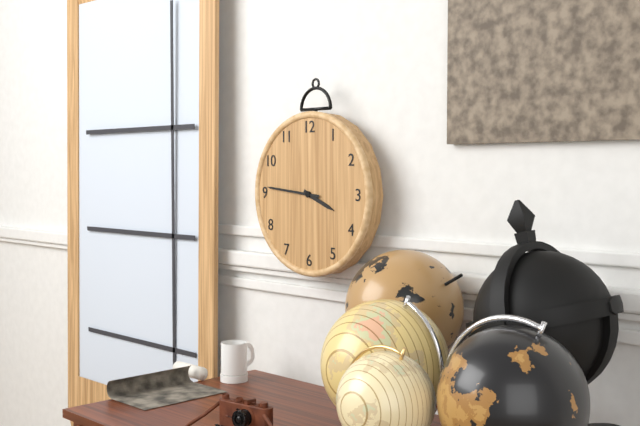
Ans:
3 h 46 min
